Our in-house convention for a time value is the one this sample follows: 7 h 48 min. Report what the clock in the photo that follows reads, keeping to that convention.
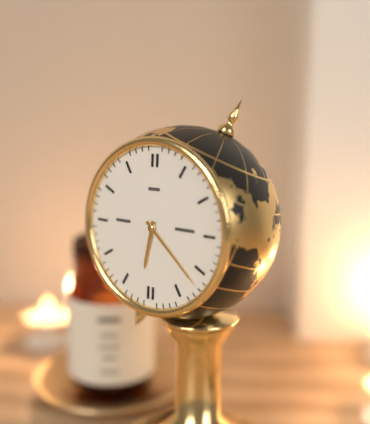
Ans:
6 h 22 min
